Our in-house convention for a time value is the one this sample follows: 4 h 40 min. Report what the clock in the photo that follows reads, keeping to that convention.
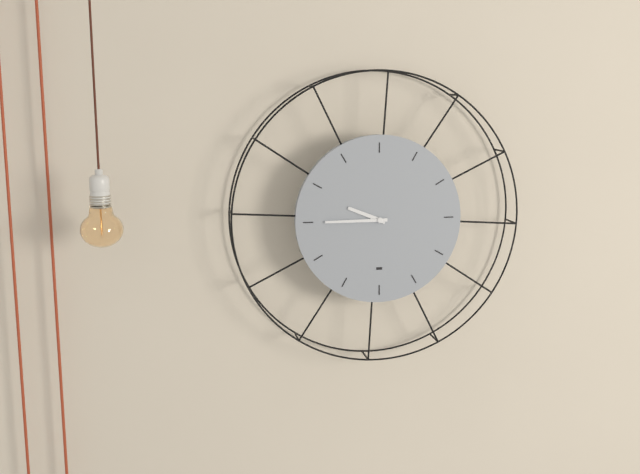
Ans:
9 h 45 min
